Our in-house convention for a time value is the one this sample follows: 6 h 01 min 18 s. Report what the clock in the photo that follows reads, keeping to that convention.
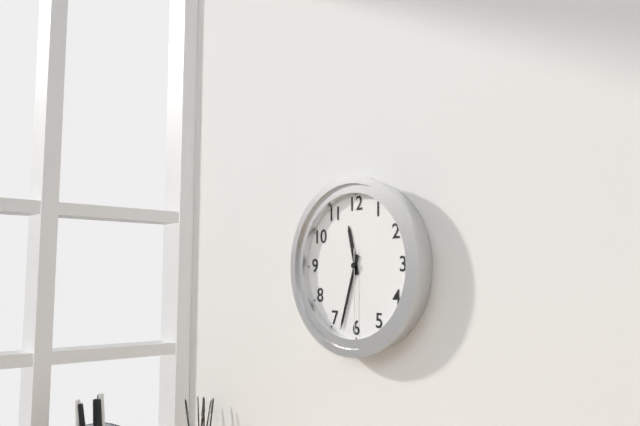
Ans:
11 h 33 min 30 s
